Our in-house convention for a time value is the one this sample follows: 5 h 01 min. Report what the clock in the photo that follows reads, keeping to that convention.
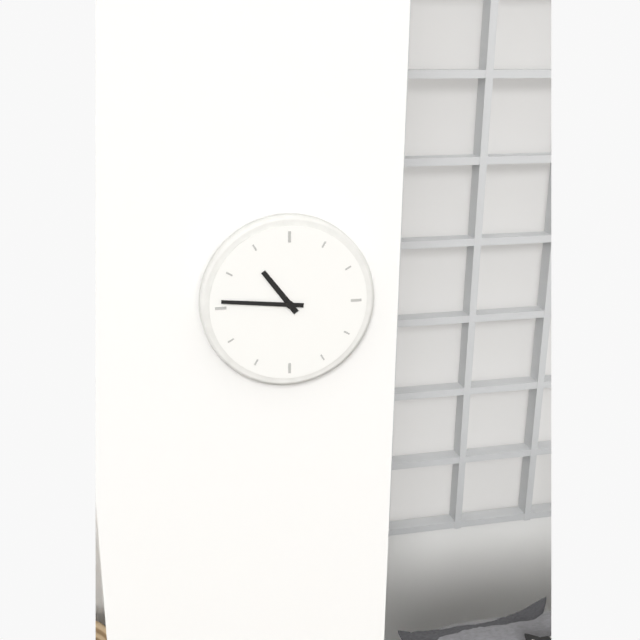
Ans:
10 h 46 min
